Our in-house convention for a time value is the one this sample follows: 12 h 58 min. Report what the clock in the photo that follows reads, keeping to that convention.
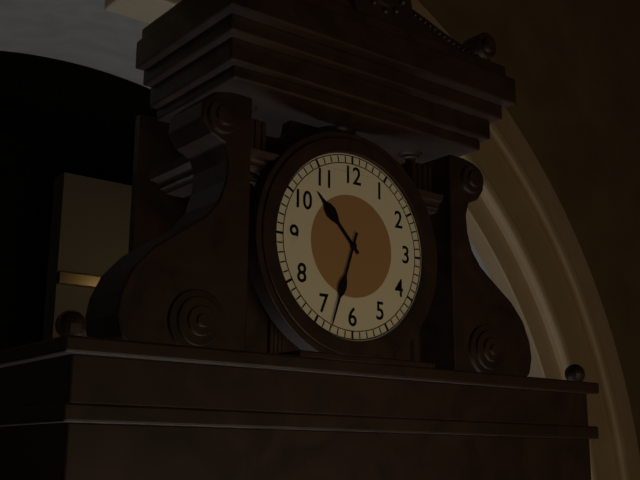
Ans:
10 h 33 min
